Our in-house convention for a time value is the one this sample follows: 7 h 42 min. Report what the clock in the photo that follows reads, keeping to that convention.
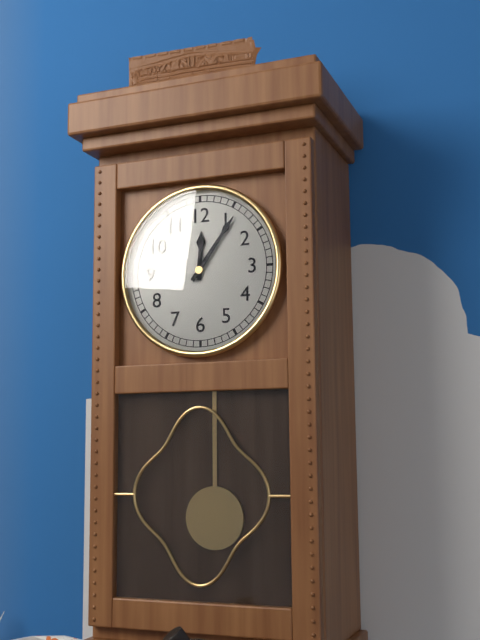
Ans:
12 h 06 min
